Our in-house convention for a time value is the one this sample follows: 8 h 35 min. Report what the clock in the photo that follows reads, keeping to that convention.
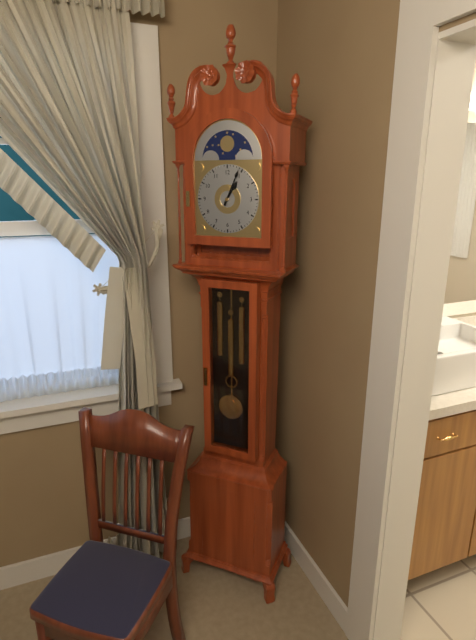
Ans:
1 h 04 min
